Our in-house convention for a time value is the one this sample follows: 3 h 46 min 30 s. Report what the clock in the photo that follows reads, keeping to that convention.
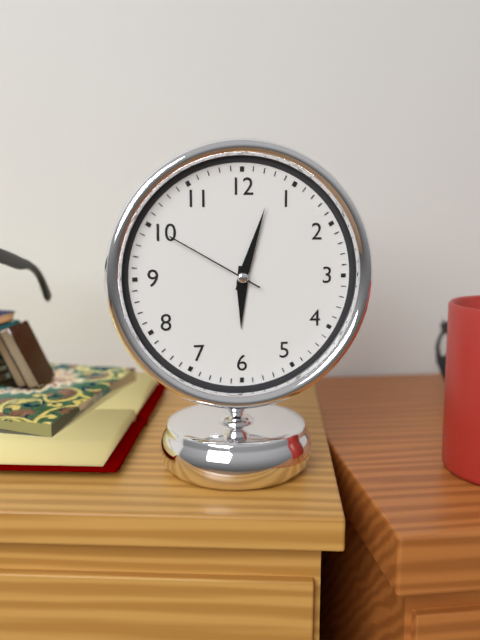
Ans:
6 h 03 min 50 s
